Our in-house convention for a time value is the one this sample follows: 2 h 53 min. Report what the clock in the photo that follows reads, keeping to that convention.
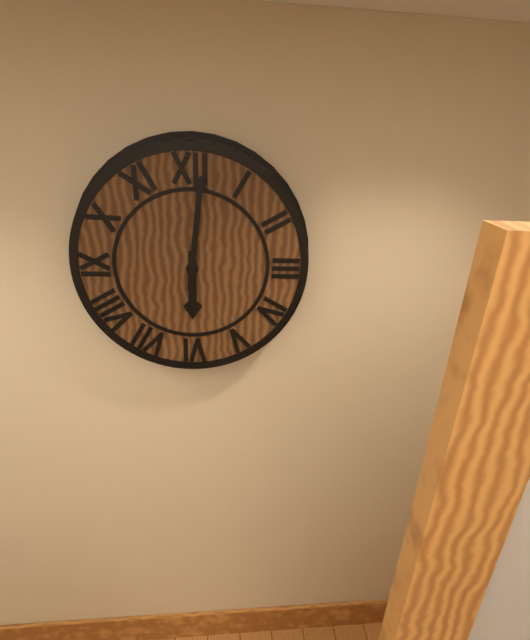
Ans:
6 h 01 min
